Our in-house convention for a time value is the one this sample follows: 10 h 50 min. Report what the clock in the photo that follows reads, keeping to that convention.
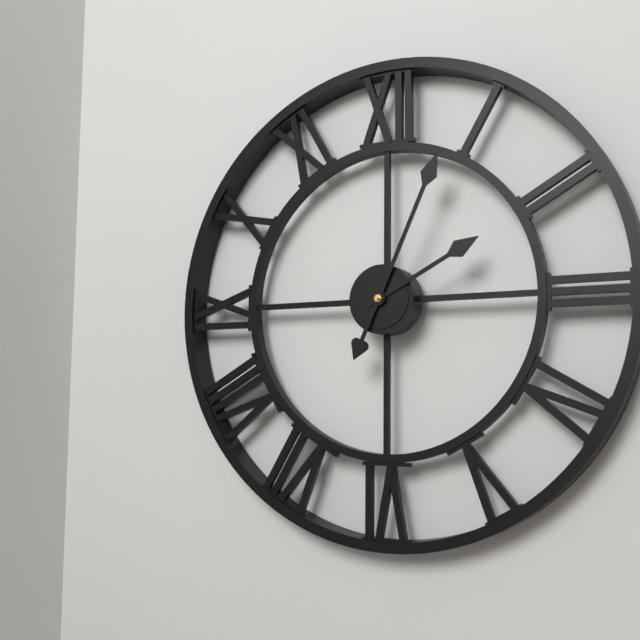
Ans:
2 h 04 min
